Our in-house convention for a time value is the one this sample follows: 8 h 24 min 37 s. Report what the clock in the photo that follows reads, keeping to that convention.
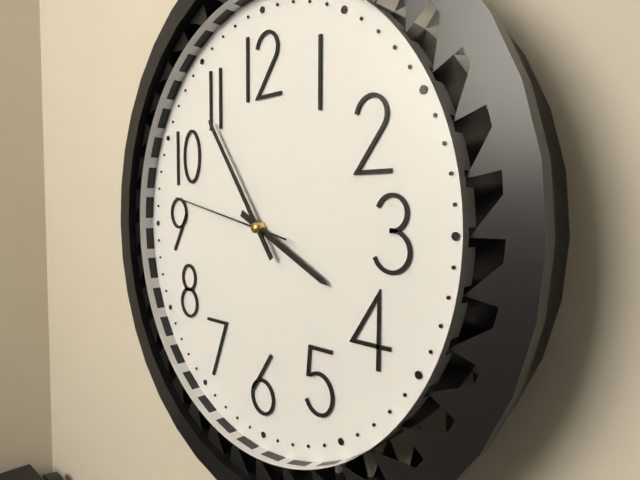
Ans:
3 h 54 min 47 s
